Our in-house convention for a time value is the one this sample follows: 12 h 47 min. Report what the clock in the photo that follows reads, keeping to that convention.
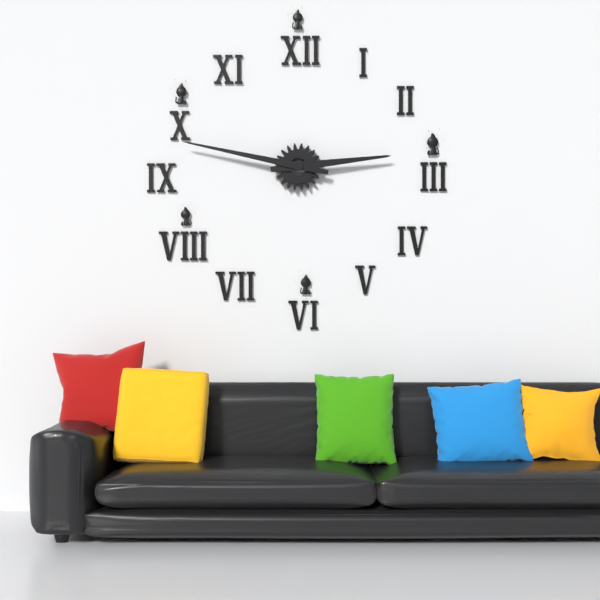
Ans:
2 h 47 min
